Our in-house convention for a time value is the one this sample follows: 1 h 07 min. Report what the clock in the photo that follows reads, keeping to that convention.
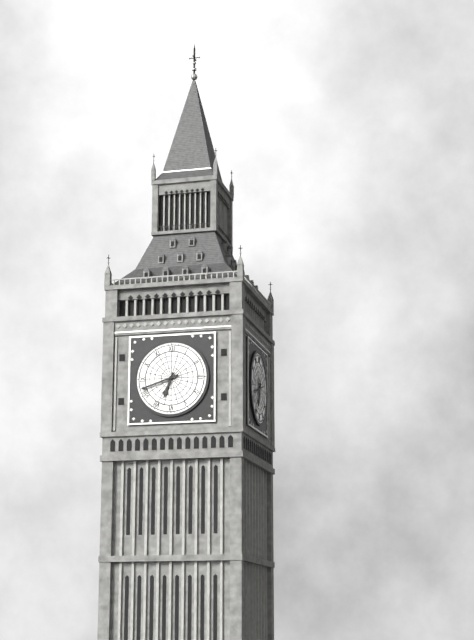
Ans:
6 h 42 min
